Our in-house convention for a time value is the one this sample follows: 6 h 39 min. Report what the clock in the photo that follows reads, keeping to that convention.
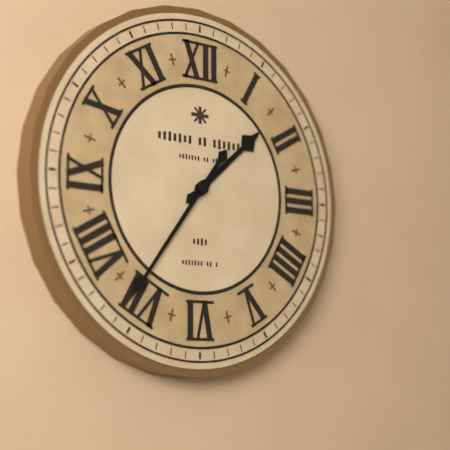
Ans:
1 h 36 min
